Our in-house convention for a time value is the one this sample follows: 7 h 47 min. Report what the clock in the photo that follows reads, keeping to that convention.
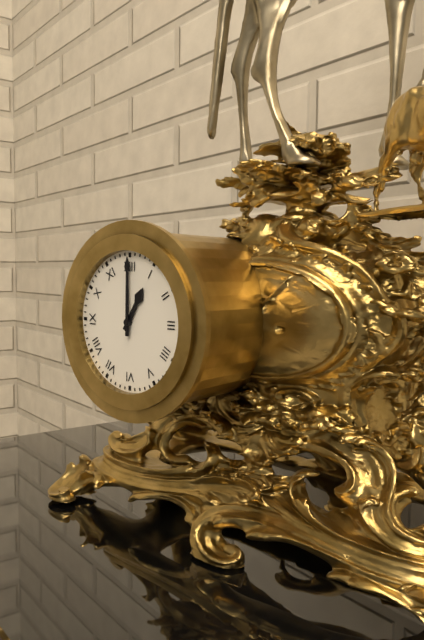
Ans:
1 h 00 min
